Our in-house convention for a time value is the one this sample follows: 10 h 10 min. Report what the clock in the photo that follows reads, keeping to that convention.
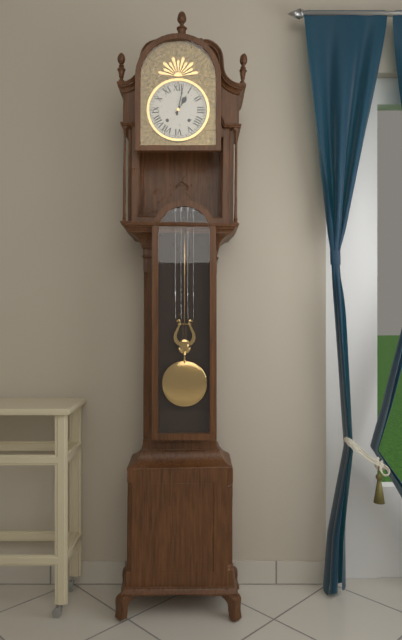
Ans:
1 h 02 min
